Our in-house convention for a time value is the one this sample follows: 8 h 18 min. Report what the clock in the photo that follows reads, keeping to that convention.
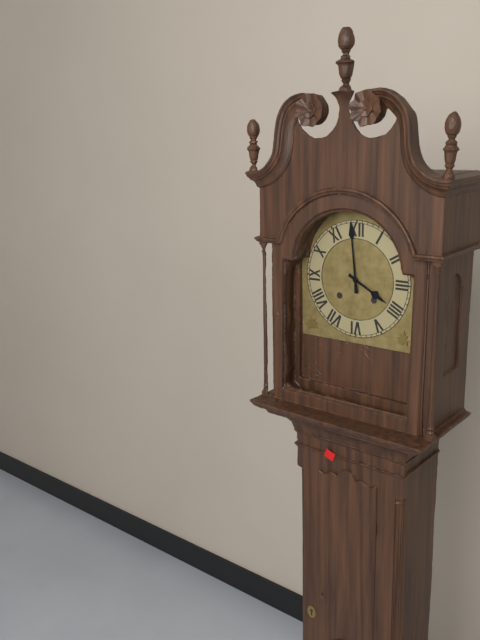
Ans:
3 h 59 min
